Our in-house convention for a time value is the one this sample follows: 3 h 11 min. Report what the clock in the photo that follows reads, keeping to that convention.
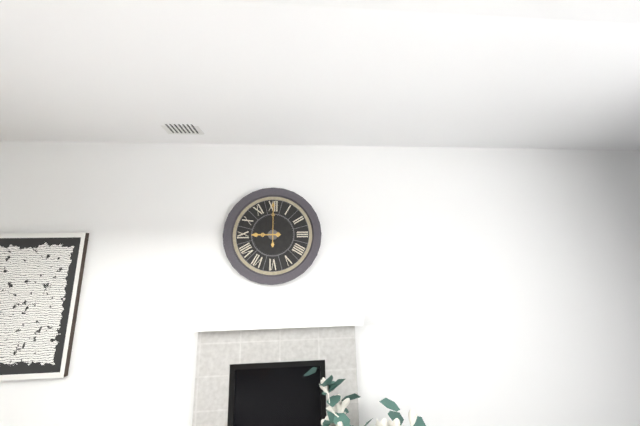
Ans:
9 h 00 min
